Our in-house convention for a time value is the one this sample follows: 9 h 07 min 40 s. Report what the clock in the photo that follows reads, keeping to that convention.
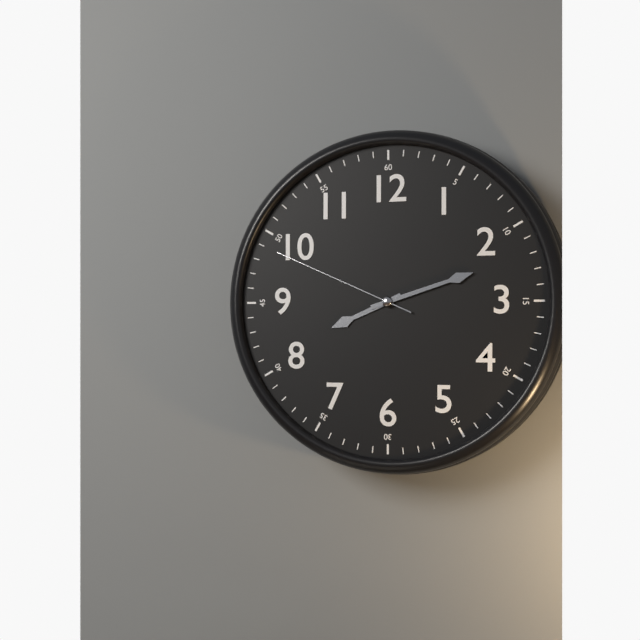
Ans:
8 h 12 min 49 s
